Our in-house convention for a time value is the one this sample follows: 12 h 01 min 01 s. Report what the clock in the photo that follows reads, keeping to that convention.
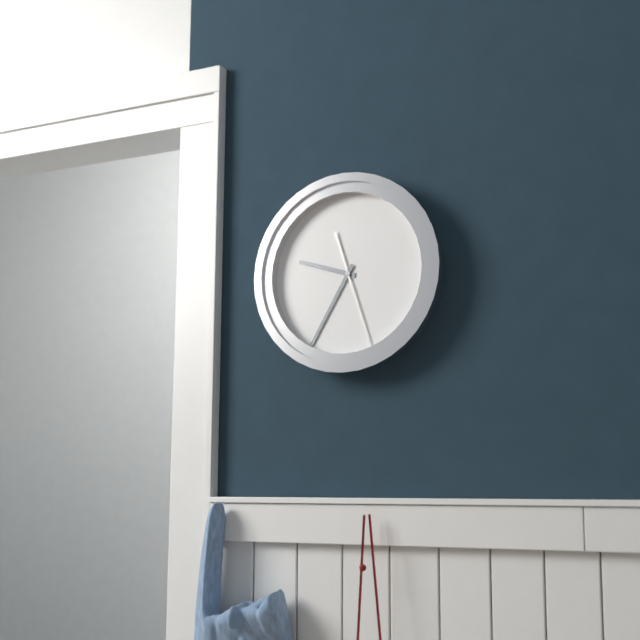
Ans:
9 h 35 min 27 s
